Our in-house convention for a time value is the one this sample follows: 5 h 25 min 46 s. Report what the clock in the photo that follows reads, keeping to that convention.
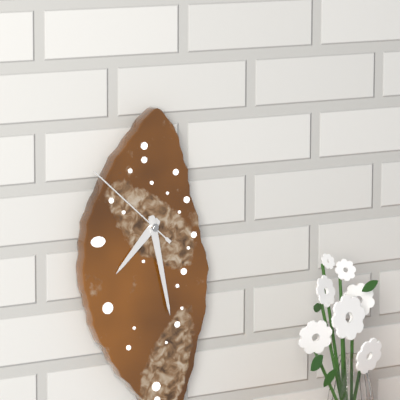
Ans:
7 h 28 min 52 s
